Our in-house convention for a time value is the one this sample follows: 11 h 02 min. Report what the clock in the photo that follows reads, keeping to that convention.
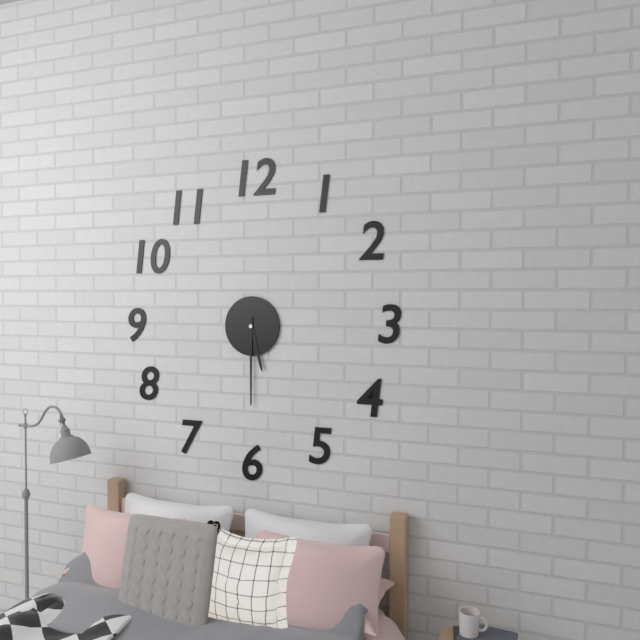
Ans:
5 h 30 min
